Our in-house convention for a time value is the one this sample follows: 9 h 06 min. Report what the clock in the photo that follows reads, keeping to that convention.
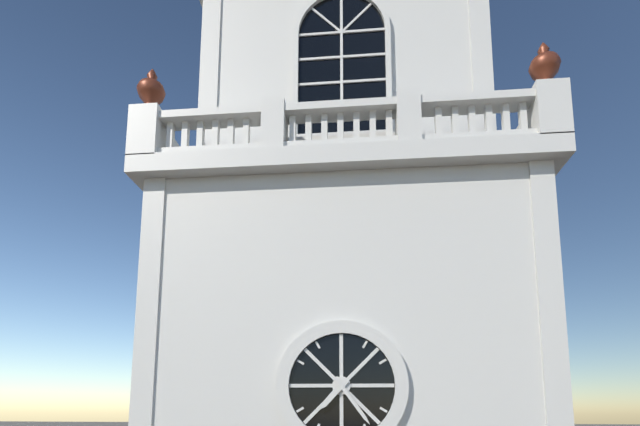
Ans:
7 h 24 min
